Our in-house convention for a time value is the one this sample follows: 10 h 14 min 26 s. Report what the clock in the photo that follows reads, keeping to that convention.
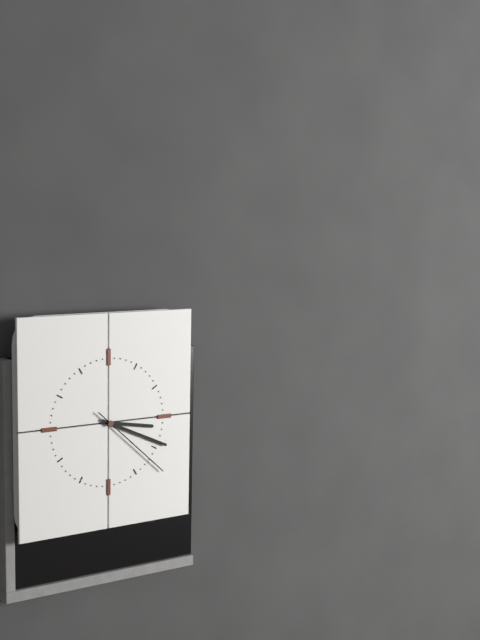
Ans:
3 h 19 min 22 s
